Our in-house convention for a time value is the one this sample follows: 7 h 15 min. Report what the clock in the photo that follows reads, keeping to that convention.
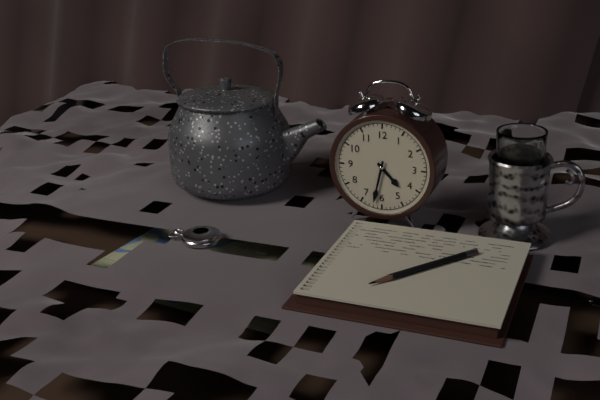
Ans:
4 h 32 min
